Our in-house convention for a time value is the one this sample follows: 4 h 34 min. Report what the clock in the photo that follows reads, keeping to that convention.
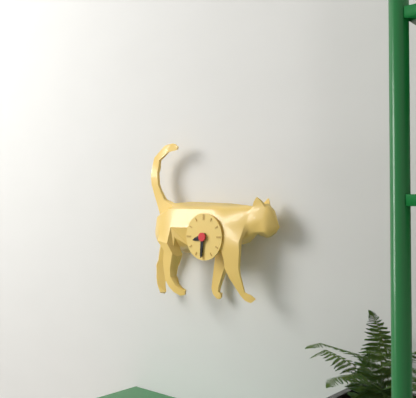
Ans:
8 h 31 min
